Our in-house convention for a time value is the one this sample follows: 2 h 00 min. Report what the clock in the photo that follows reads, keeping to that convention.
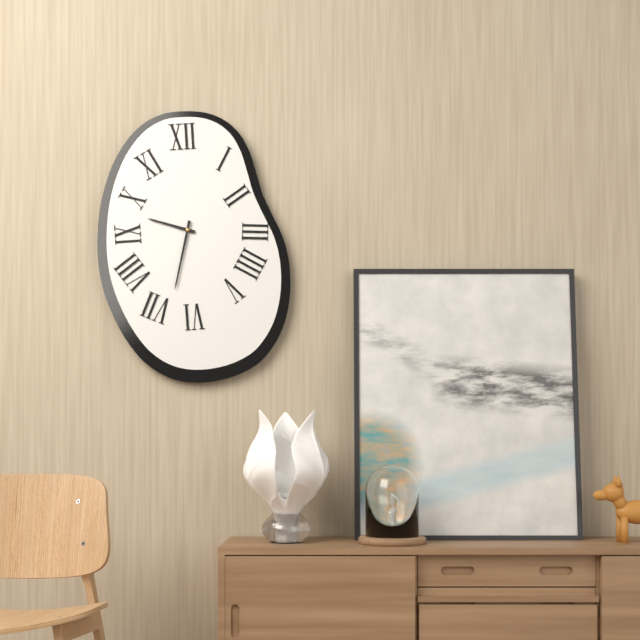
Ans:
9 h 32 min
